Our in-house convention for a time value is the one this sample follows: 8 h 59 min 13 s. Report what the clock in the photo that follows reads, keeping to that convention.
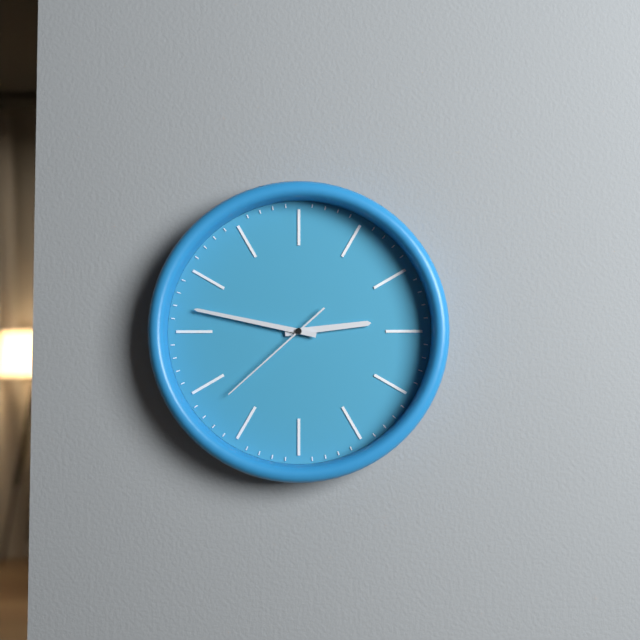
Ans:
2 h 47 min 38 s
